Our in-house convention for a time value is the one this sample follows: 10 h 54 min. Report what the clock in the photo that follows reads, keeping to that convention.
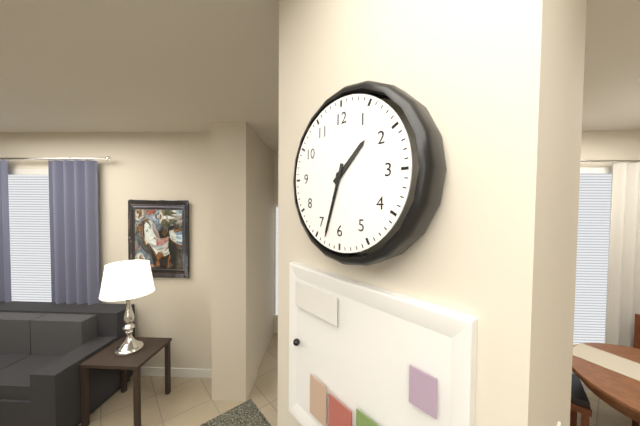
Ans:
1 h 33 min
